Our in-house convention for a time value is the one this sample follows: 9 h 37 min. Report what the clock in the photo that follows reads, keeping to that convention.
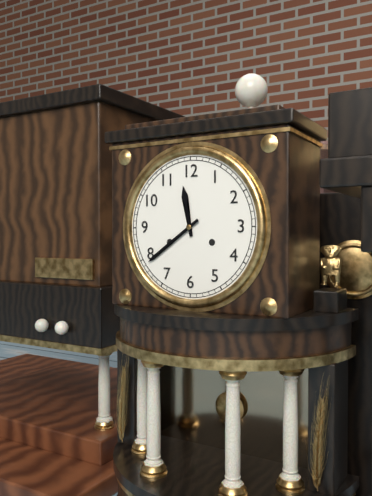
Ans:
11 h 39 min
